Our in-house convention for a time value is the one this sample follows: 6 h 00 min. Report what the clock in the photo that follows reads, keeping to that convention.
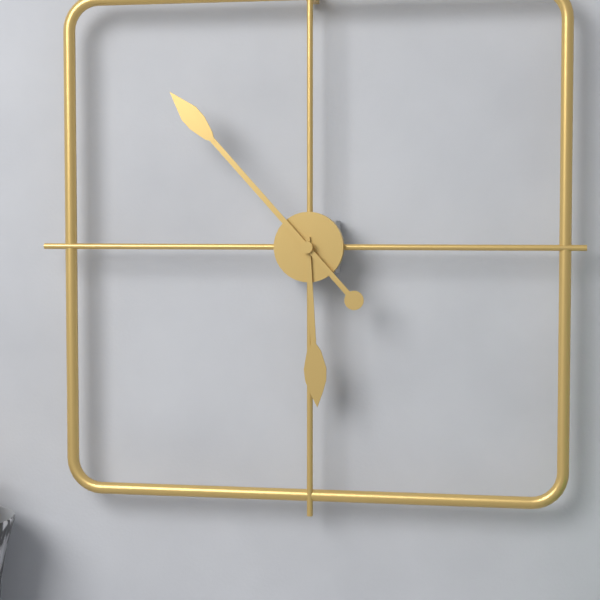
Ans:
5 h 53 min
